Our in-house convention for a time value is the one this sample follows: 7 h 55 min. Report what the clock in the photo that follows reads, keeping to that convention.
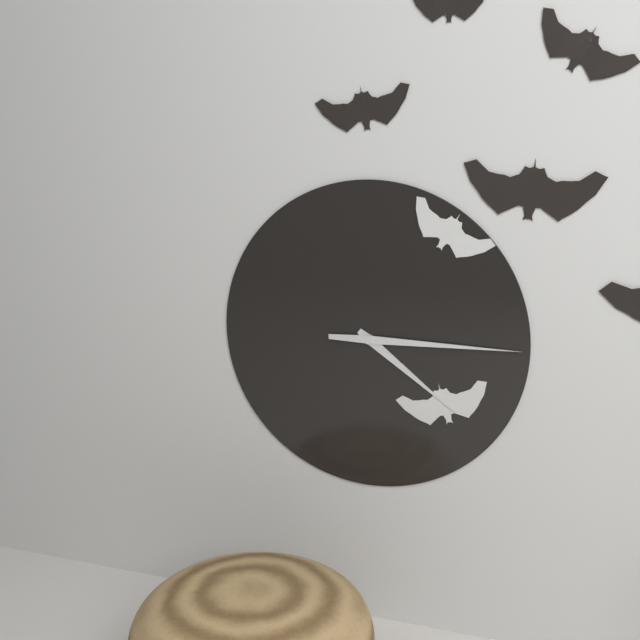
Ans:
4 h 15 min
